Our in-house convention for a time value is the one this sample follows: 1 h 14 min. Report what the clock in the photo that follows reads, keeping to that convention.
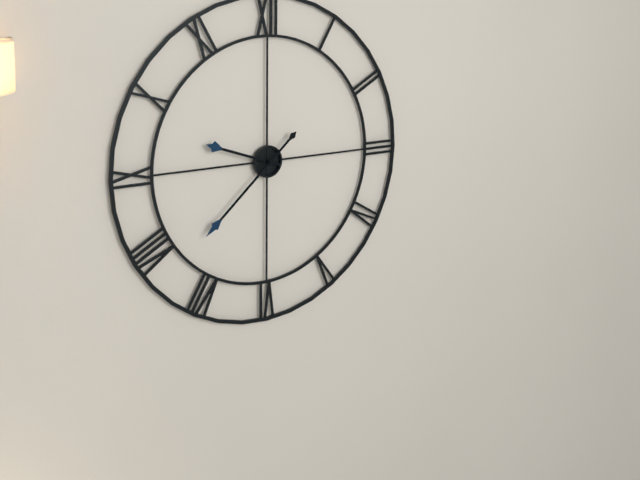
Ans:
9 h 38 min
